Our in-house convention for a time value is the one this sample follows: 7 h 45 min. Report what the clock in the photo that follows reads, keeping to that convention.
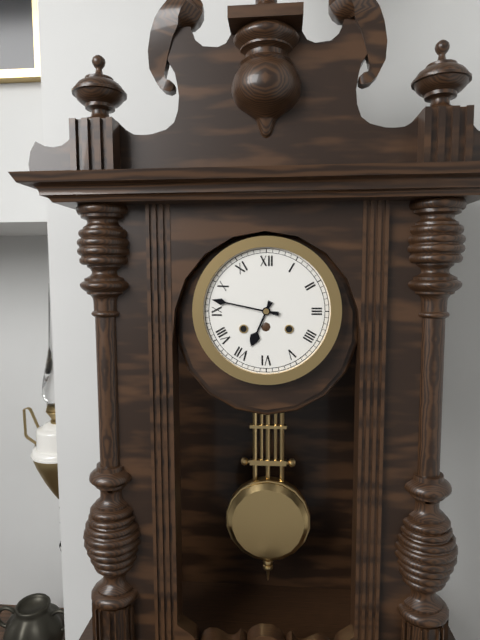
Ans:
6 h 47 min
